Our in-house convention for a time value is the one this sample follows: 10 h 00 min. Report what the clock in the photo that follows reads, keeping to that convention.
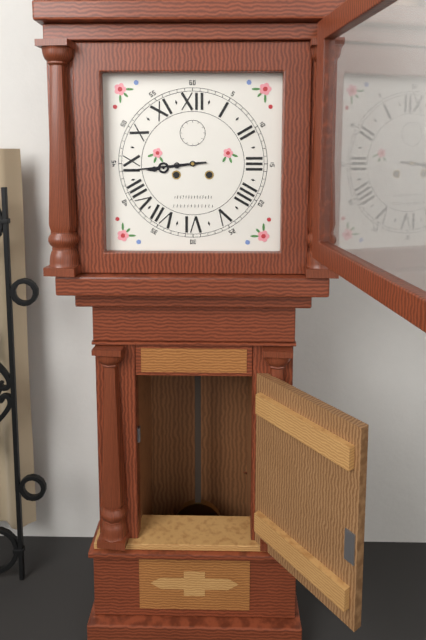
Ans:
8 h 44 min
